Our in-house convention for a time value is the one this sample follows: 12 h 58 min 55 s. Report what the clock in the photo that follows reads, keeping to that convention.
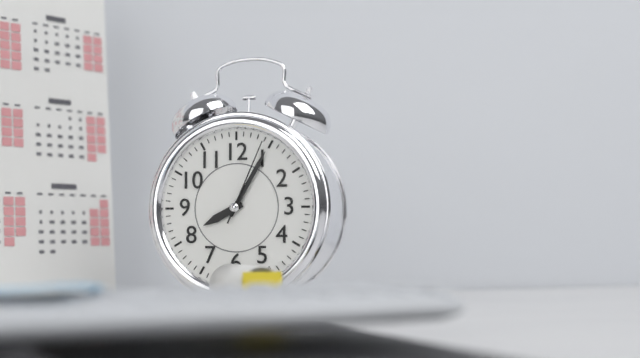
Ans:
8 h 05 min 04 s
